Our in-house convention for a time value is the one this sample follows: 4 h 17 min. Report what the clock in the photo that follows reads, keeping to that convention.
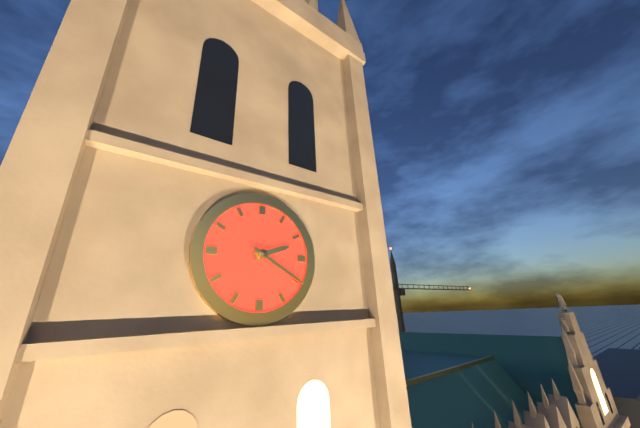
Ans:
2 h 20 min
